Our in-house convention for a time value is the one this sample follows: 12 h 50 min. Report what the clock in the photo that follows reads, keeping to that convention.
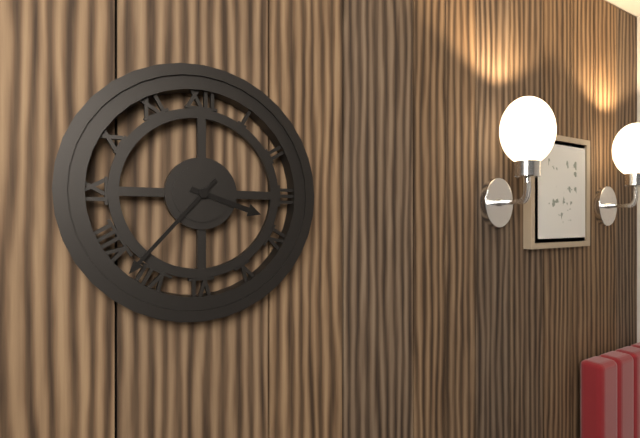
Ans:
3 h 37 min
